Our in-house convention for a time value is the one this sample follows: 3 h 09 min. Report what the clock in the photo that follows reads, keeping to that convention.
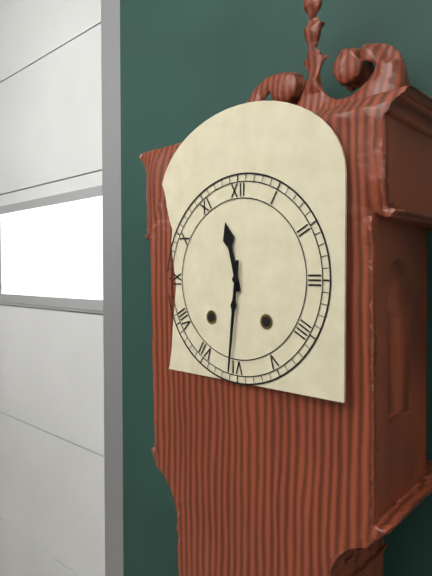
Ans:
11 h 31 min
